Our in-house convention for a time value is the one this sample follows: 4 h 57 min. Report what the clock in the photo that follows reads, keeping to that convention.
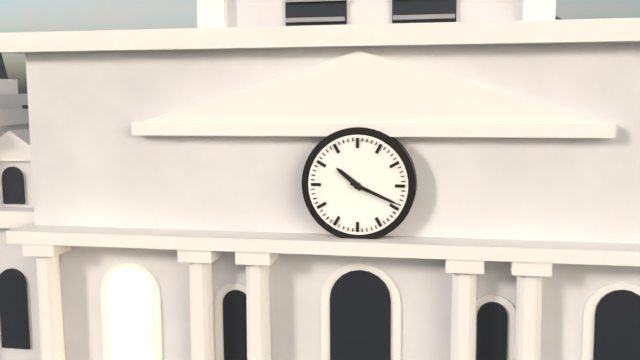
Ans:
10 h 19 min
